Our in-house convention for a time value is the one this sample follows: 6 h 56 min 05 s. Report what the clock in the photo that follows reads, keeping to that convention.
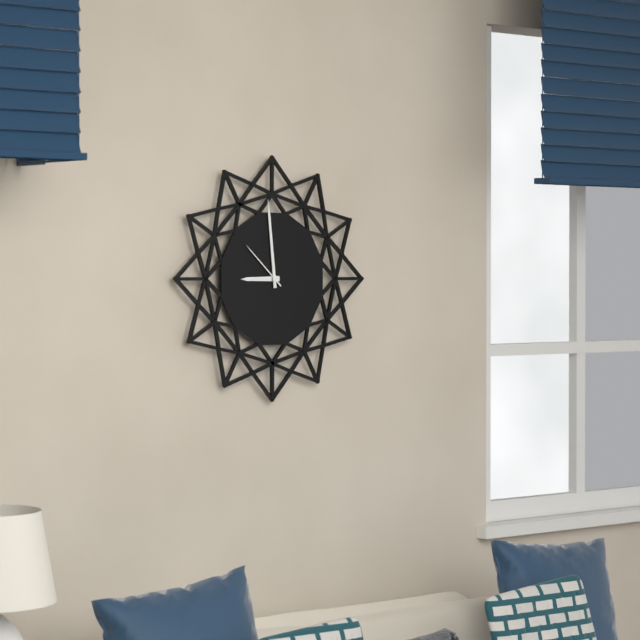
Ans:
8 h 59 min 52 s
